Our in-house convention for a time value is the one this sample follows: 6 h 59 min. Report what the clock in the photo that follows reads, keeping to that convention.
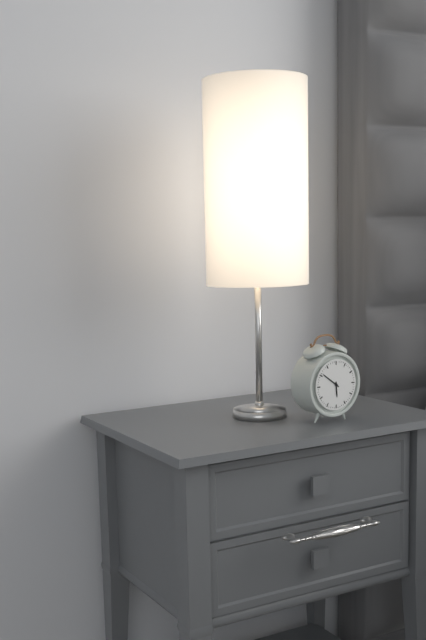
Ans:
5 h 51 min
